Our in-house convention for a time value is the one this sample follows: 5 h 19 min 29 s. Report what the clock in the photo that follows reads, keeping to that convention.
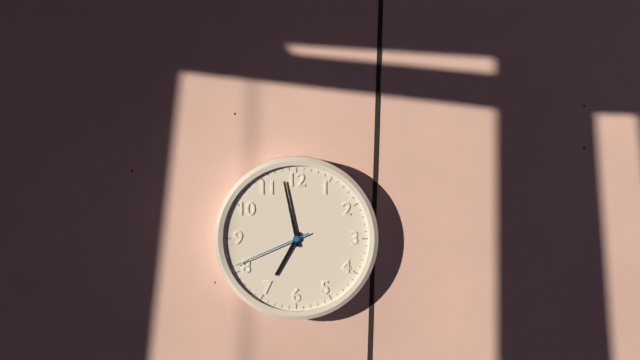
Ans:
6 h 58 min 41 s
